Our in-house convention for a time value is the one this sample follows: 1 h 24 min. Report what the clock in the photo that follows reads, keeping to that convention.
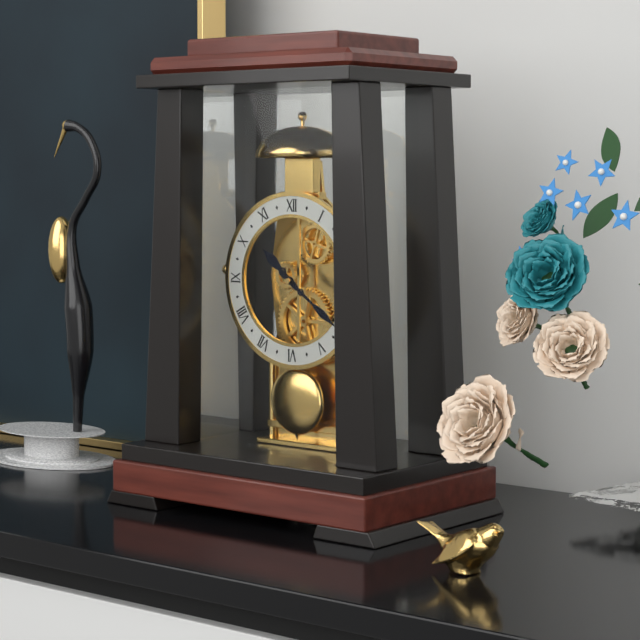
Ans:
10 h 21 min
